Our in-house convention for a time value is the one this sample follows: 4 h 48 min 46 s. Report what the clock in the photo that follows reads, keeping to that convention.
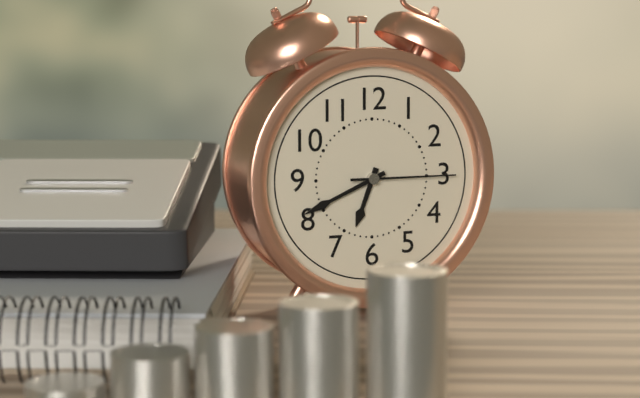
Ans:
6 h 41 min 15 s
